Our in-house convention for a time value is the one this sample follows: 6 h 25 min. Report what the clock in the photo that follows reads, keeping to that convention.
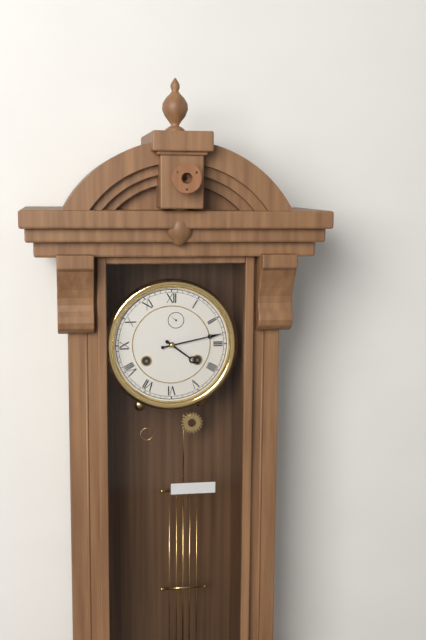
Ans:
4 h 13 min
